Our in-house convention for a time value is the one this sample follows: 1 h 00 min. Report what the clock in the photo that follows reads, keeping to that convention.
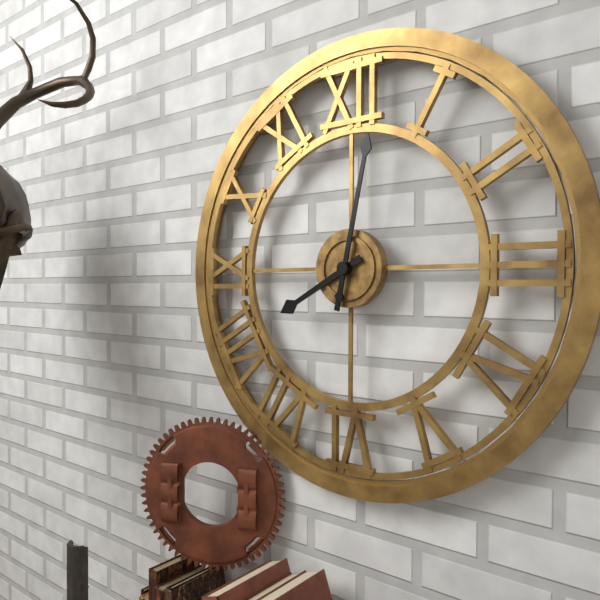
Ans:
8 h 02 min
